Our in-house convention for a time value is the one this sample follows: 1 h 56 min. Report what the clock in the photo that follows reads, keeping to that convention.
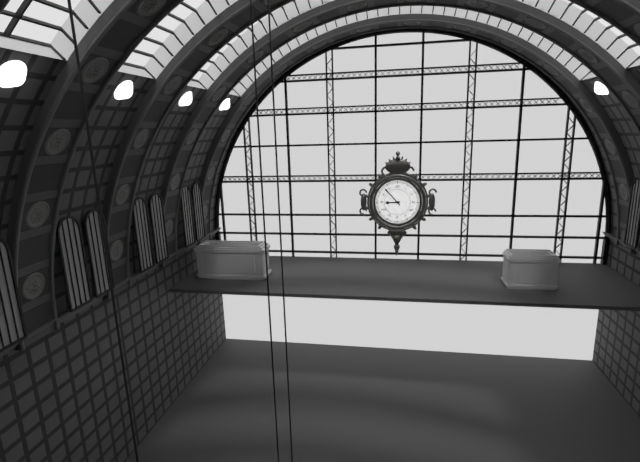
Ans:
8 h 53 min
